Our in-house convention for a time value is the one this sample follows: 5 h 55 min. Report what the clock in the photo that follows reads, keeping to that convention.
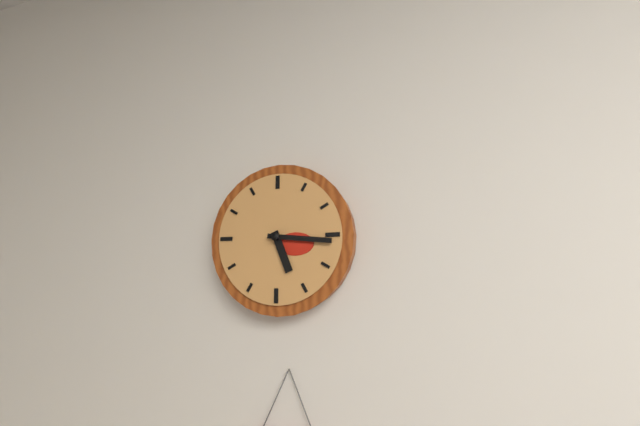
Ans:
5 h 16 min
